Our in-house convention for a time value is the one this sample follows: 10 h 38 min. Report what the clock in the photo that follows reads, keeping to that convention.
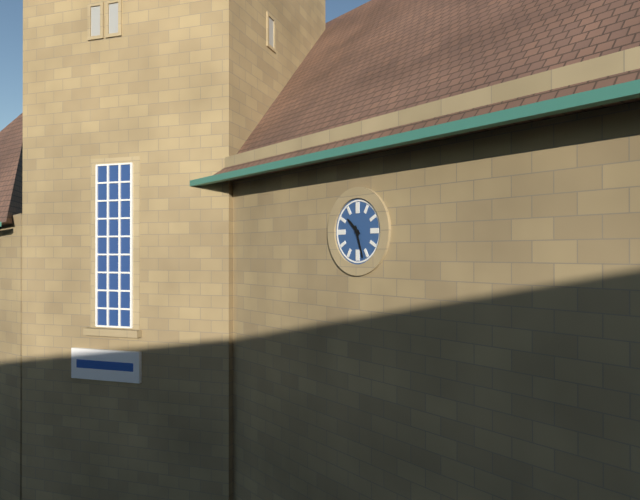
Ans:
10 h 27 min
